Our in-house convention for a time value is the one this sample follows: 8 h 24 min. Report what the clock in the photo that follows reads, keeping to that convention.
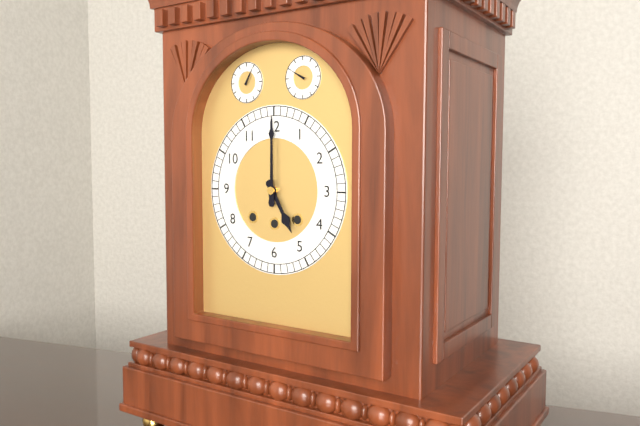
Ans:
5 h 00 min
